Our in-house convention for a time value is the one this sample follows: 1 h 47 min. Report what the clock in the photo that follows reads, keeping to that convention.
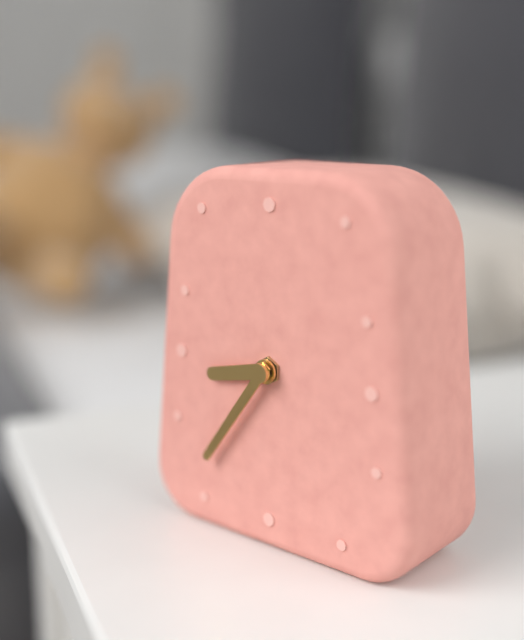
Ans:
8 h 36 min
